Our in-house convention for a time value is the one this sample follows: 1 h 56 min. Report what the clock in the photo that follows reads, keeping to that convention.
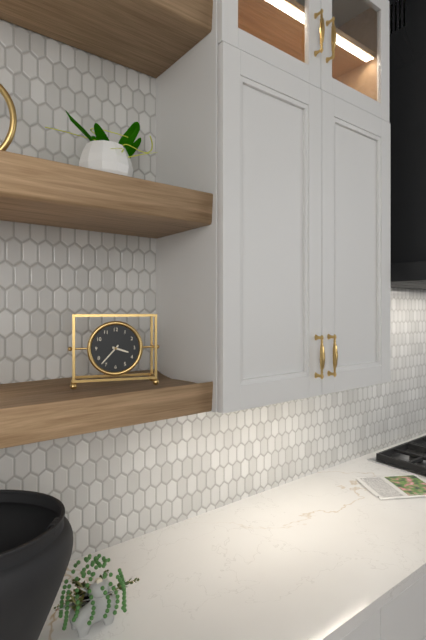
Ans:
3 h 37 min
